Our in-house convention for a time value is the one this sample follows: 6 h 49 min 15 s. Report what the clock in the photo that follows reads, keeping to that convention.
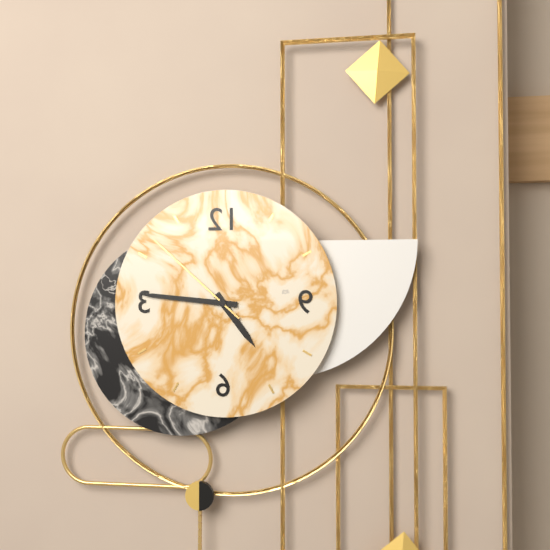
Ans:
4 h 46 min 52 s
